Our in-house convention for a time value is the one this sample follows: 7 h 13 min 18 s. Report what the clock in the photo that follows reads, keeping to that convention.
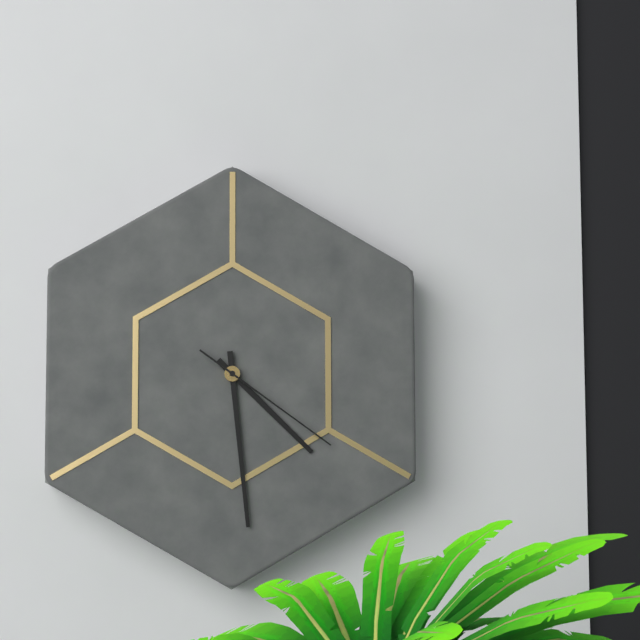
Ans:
4 h 29 min 21 s
